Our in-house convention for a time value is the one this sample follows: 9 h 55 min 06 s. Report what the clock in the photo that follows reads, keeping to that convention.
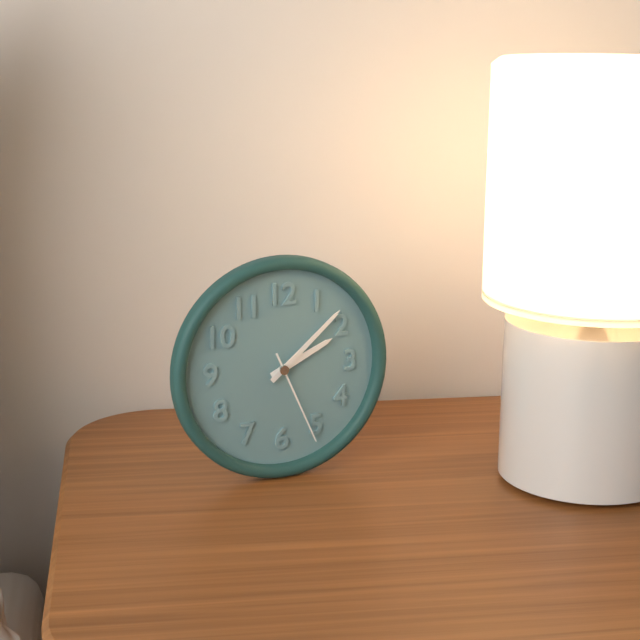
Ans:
2 h 08 min 26 s
